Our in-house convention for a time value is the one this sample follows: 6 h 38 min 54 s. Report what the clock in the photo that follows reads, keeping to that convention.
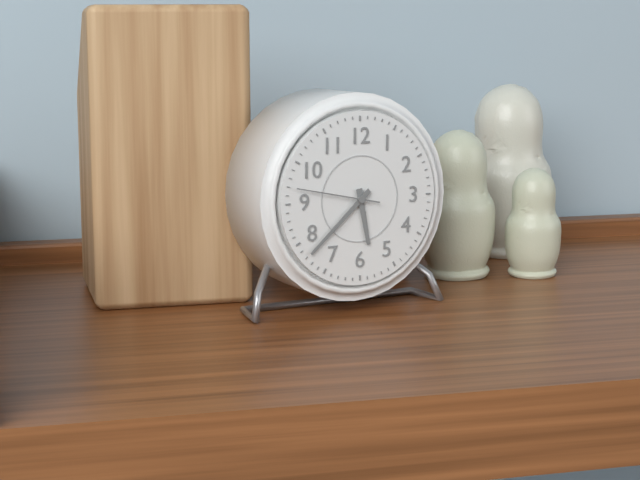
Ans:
5 h 38 min 47 s
